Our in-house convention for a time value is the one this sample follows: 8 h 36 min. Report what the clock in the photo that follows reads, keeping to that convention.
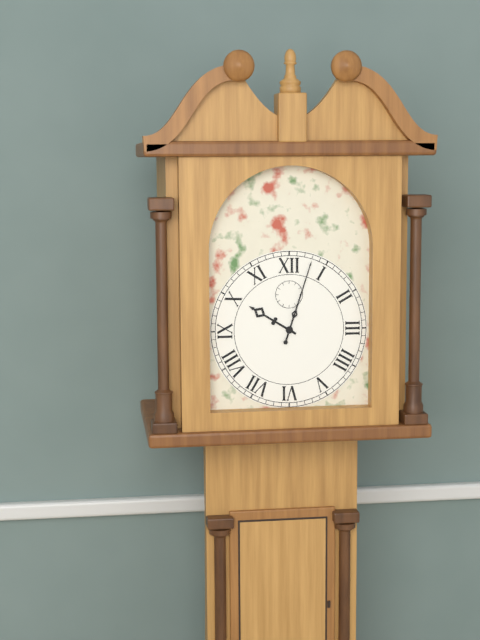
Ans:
10 h 03 min
